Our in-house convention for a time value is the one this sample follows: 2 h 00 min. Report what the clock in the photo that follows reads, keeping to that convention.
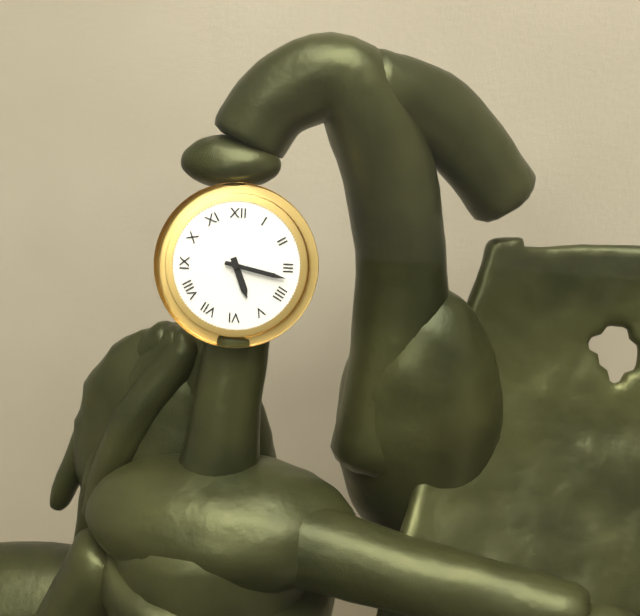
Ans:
5 h 17 min
